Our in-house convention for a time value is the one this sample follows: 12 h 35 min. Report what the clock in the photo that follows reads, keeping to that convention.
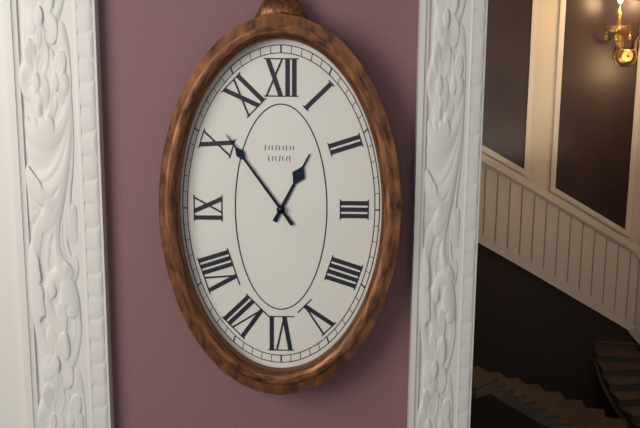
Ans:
12 h 54 min
